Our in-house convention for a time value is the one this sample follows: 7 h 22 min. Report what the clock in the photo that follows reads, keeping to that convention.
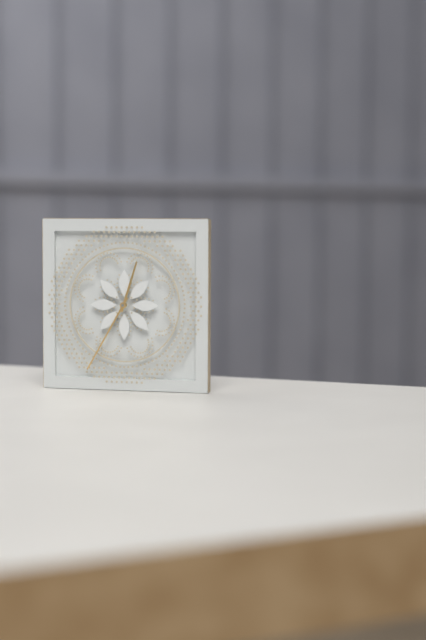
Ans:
12 h 35 min
